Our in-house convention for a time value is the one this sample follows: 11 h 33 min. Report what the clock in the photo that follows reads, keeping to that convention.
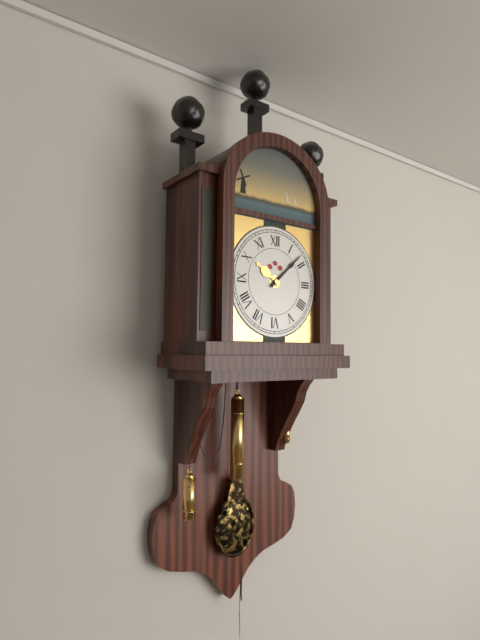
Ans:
10 h 08 min
